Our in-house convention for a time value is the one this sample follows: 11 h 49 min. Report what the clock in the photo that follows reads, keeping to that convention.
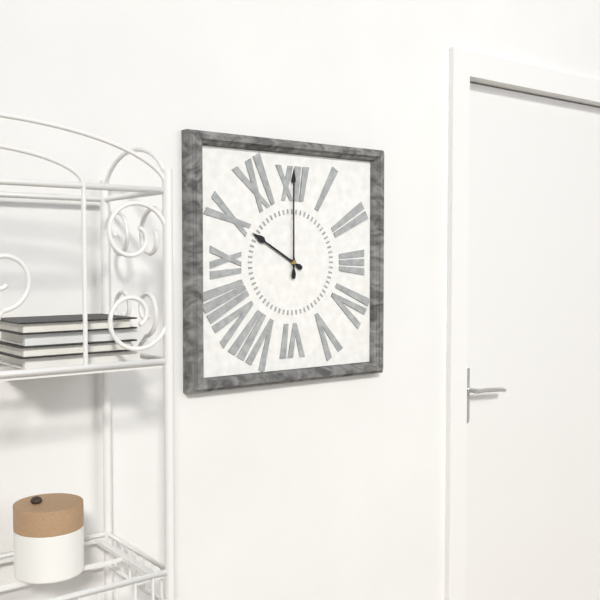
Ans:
10 h 00 min
